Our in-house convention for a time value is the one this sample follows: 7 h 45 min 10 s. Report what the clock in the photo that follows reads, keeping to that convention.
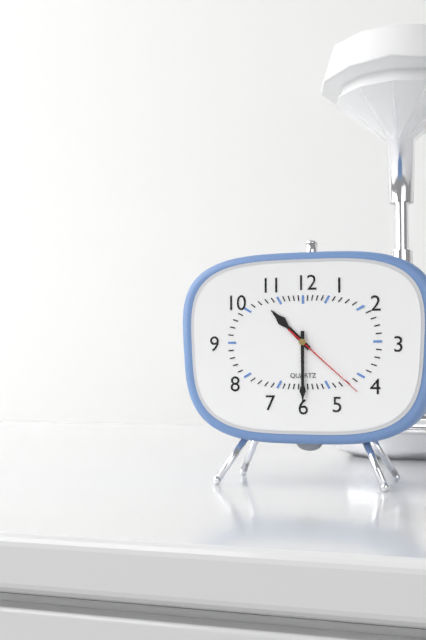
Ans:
10 h 30 min 22 s
